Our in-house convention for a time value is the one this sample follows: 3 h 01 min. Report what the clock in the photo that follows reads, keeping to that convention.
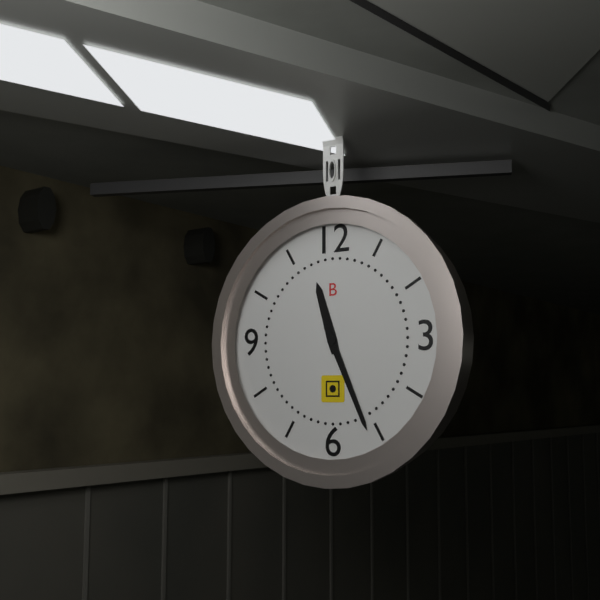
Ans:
11 h 26 min
